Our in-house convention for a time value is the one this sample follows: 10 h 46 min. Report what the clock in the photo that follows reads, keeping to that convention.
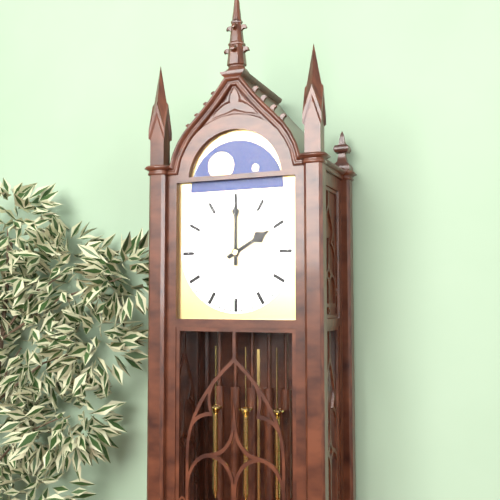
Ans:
2 h 00 min
